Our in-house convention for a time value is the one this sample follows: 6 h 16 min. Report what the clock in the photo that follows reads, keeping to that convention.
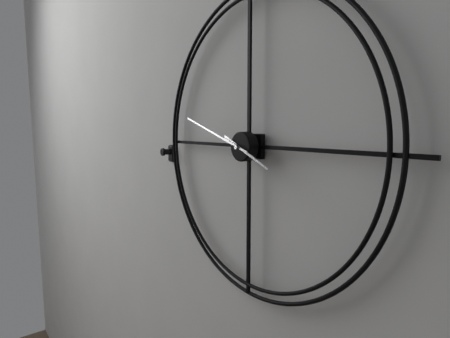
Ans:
3 h 48 min
